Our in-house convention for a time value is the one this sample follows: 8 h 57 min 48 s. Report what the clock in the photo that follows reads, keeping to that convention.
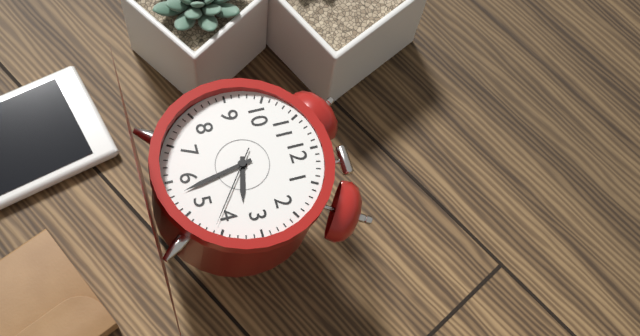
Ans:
3 h 28 min 21 s
